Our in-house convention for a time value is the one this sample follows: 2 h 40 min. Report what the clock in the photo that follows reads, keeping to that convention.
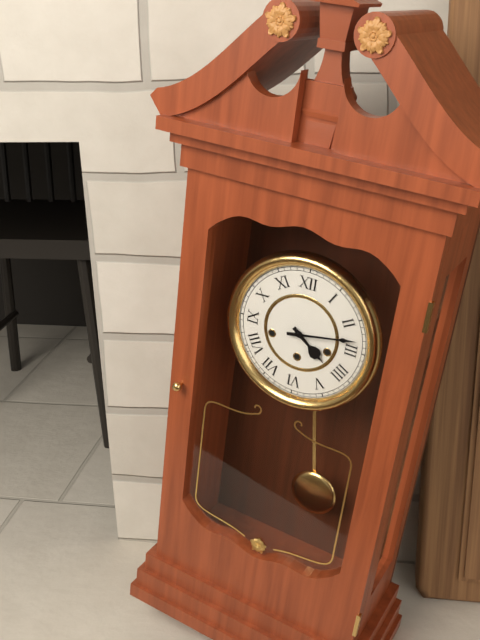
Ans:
4 h 13 min
